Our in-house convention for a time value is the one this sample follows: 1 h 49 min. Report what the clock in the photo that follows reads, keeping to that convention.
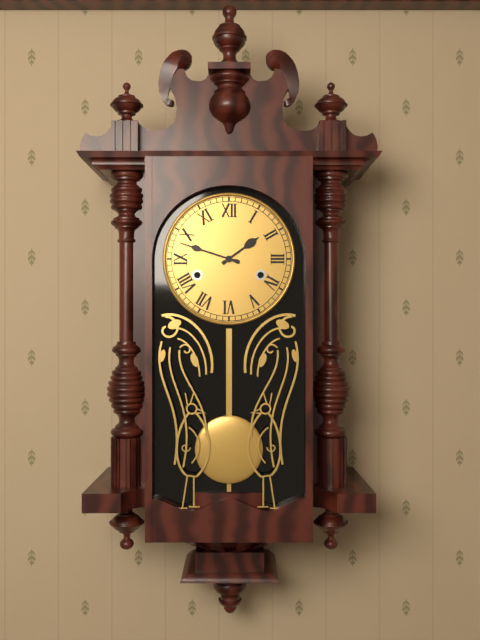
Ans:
1 h 48 min
